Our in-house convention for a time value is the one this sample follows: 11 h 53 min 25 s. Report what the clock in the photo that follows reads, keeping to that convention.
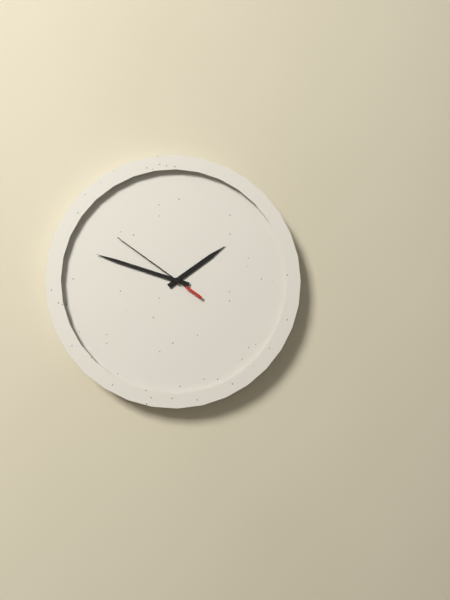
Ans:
1 h 48 min 51 s
